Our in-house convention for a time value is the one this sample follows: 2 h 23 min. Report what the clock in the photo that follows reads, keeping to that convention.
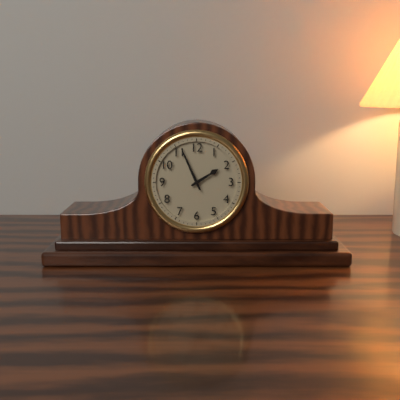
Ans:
1 h 56 min
